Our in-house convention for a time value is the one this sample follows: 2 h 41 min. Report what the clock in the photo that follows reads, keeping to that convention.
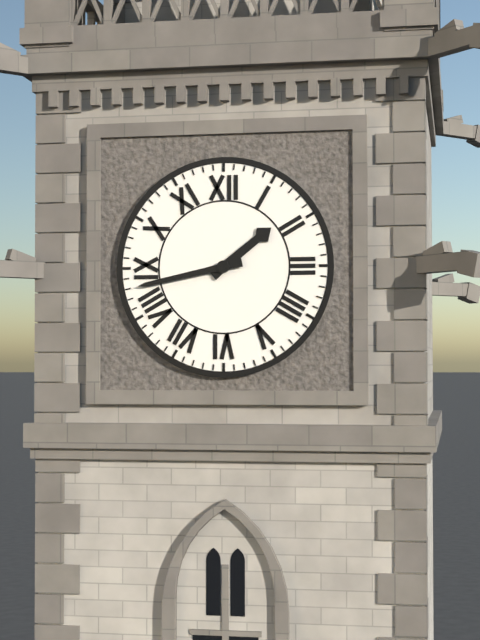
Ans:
1 h 43 min
